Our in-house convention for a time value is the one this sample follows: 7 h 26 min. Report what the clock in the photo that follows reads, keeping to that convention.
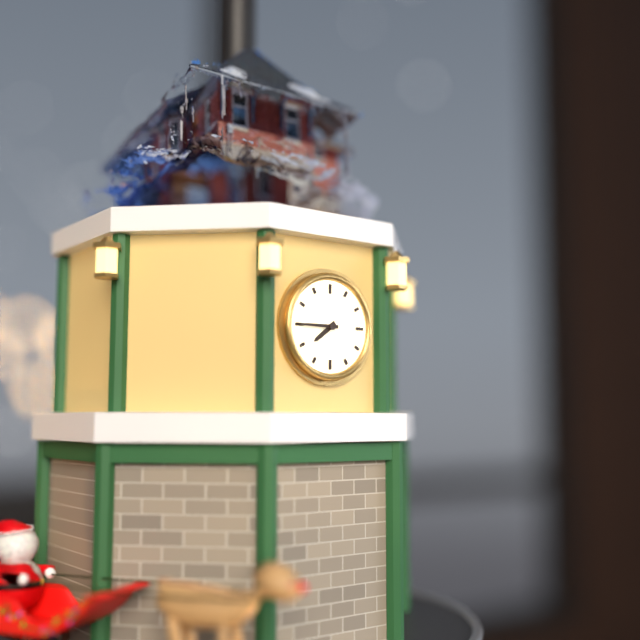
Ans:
7 h 45 min
